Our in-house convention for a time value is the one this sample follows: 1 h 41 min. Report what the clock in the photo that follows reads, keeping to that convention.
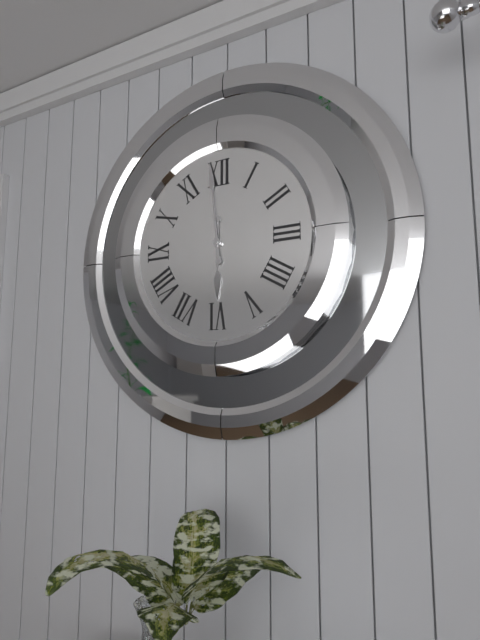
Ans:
5 h 59 min
